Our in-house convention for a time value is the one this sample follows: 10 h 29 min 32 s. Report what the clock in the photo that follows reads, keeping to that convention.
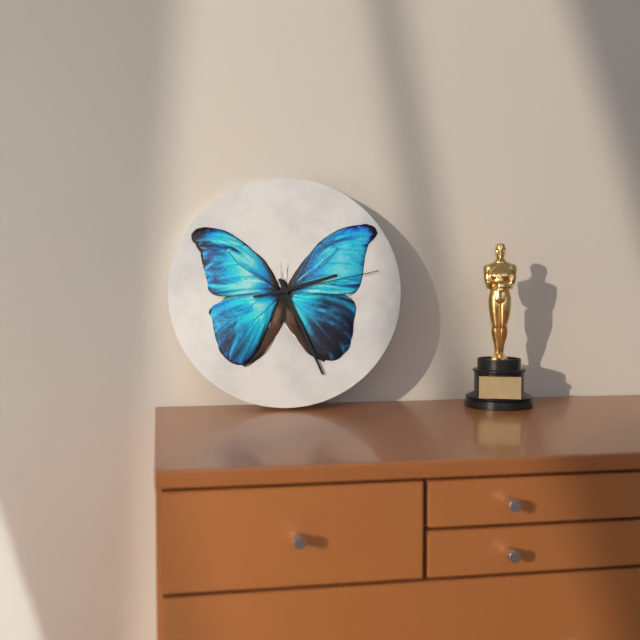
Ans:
2 h 26 min 13 s
